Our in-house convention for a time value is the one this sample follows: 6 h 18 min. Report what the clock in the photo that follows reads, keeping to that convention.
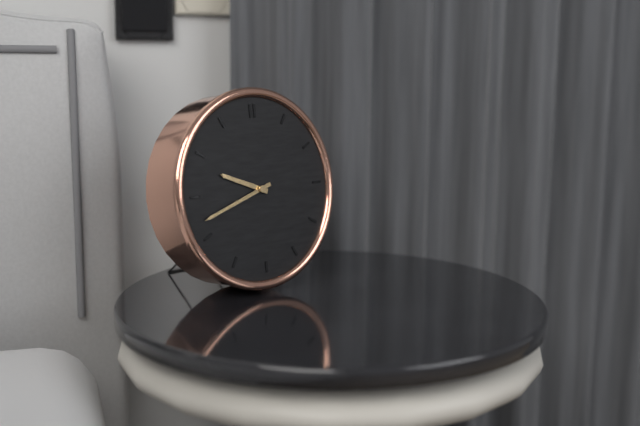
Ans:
9 h 42 min
